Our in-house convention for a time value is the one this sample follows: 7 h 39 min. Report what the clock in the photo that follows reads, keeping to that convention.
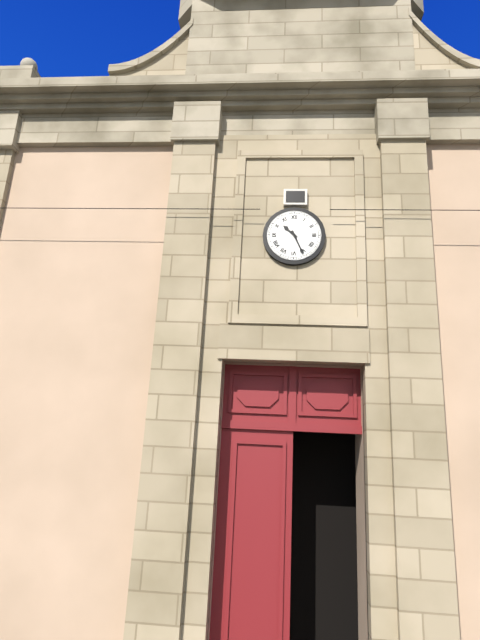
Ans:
10 h 26 min
